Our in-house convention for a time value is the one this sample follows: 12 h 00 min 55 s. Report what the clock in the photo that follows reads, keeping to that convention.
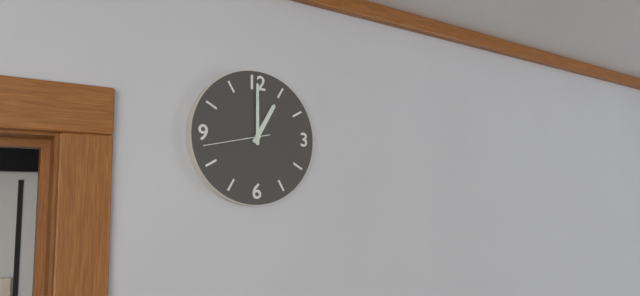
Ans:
1 h 00 min 43 s
